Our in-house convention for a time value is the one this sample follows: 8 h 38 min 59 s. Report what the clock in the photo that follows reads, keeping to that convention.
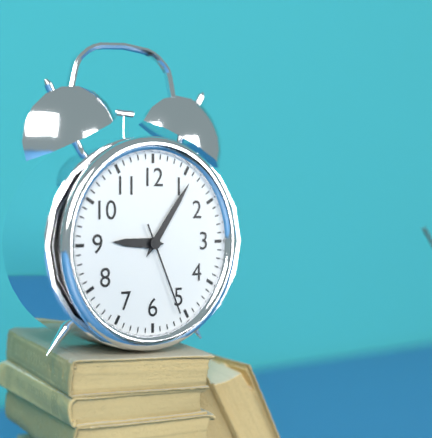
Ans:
9 h 06 min 26 s
